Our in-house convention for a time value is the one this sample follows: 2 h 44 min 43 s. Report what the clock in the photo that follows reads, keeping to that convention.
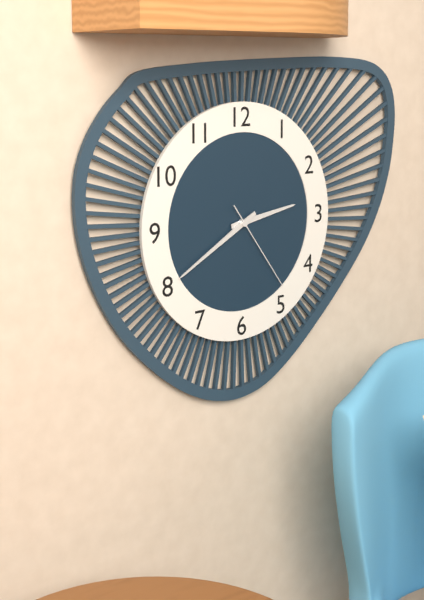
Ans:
2 h 40 min 24 s
